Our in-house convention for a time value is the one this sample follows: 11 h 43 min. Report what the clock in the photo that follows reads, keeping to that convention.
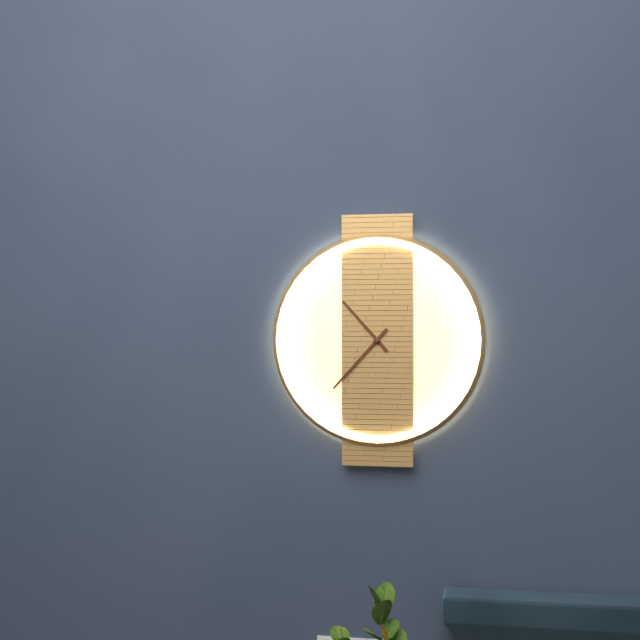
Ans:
10 h 37 min
